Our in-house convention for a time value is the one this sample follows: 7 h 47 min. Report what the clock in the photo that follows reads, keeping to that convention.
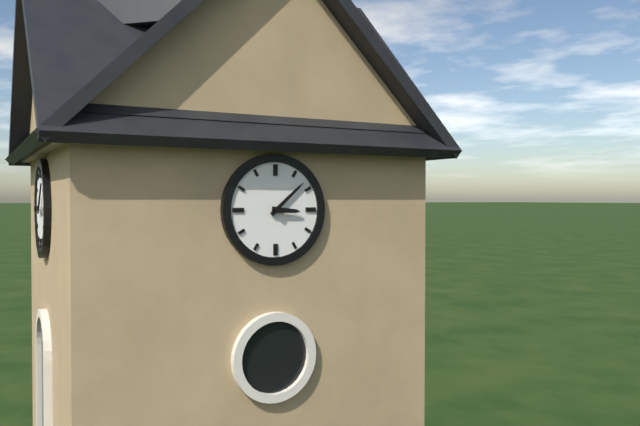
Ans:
3 h 08 min
